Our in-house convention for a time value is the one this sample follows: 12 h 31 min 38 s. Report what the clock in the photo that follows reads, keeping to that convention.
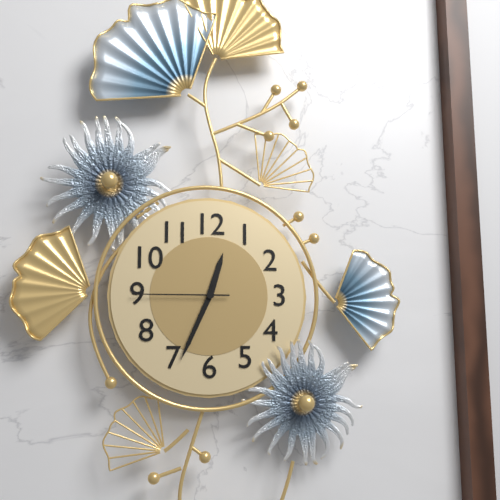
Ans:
12 h 34 min 45 s
